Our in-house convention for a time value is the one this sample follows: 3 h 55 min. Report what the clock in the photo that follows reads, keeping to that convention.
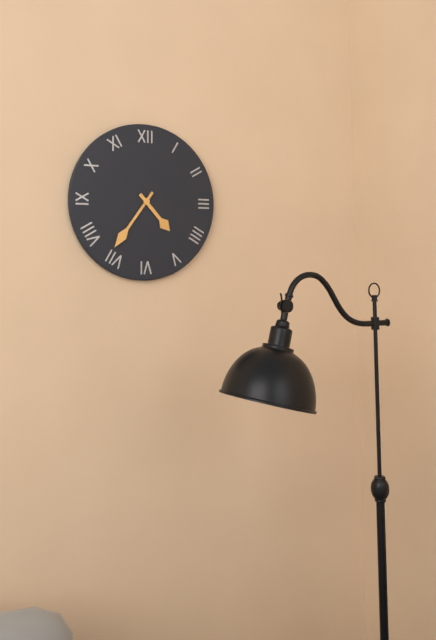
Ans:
4 h 36 min
